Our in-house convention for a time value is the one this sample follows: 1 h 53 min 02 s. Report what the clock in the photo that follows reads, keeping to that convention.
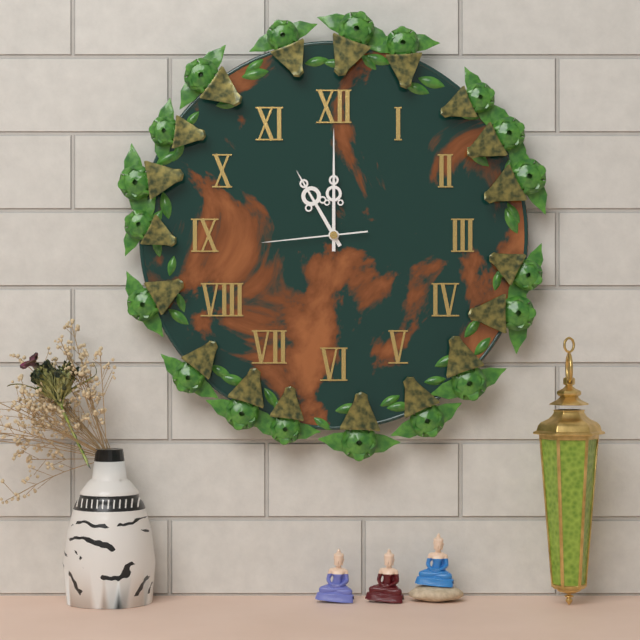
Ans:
11 h 00 min 44 s
